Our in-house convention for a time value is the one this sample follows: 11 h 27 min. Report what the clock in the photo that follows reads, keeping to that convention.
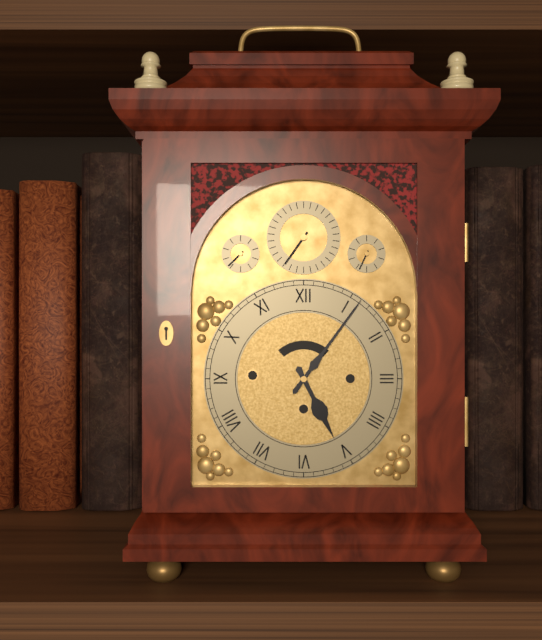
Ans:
5 h 06 min
